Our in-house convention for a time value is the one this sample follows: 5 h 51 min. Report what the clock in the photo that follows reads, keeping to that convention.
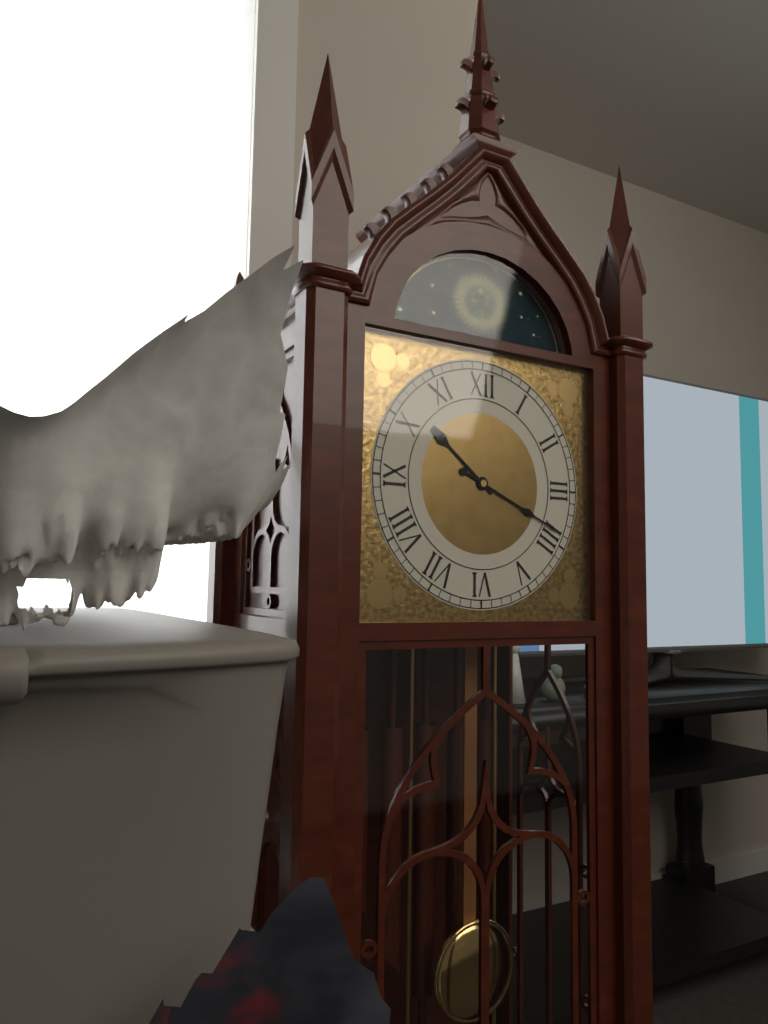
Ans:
10 h 19 min
